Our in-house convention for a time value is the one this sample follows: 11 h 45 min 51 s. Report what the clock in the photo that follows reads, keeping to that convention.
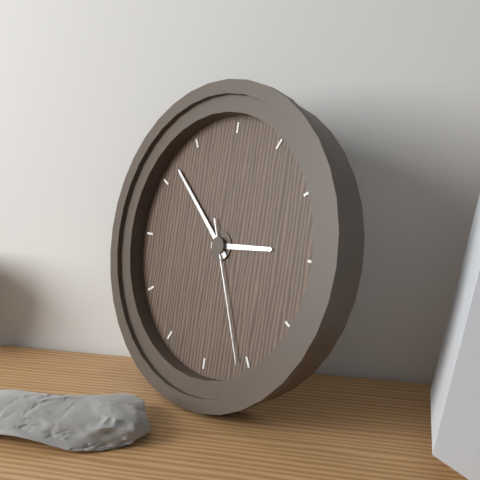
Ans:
2 h 52 min 26 s
